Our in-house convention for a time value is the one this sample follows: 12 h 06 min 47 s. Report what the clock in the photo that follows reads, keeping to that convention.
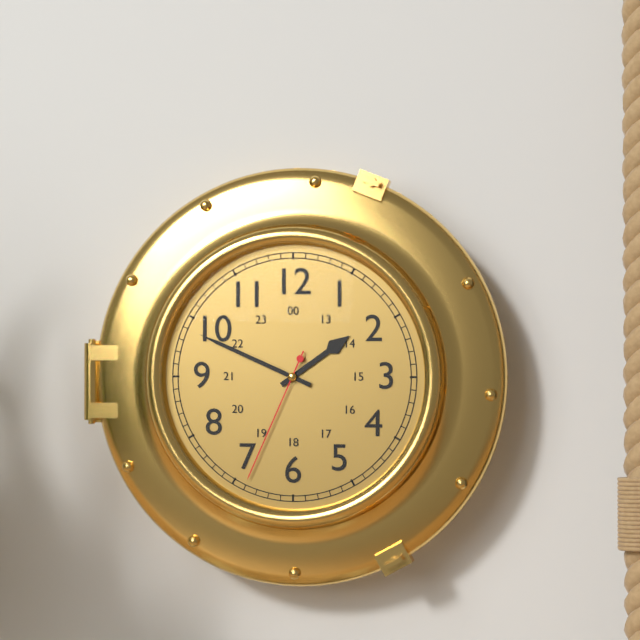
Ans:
1 h 49 min 34 s
